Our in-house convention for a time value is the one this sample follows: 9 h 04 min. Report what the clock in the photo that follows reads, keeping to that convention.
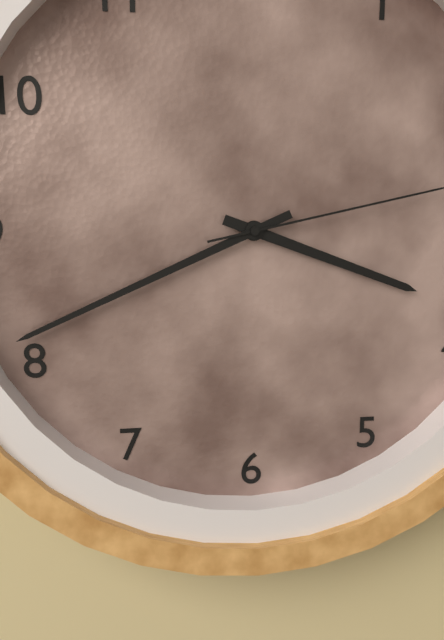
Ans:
3 h 41 min
